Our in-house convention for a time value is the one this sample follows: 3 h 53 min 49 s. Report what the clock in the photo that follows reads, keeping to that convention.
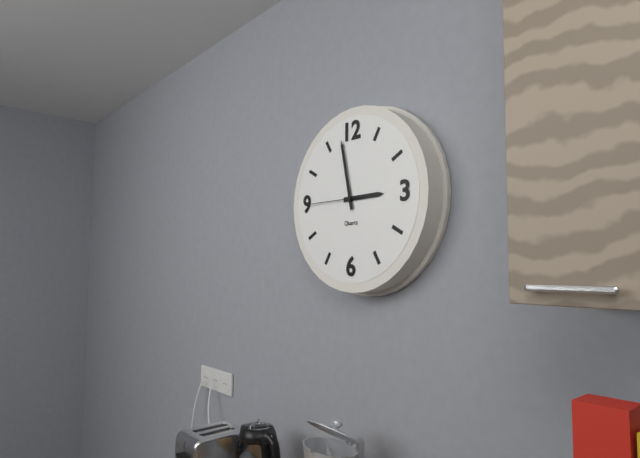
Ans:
2 h 58 min 45 s
